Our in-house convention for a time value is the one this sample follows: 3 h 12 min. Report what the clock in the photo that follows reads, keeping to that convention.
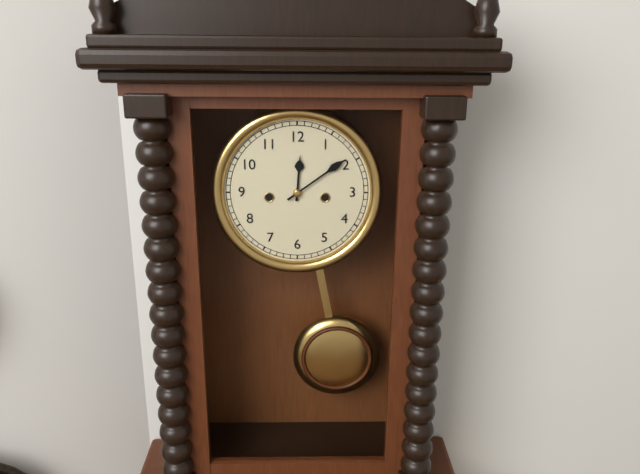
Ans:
12 h 09 min
